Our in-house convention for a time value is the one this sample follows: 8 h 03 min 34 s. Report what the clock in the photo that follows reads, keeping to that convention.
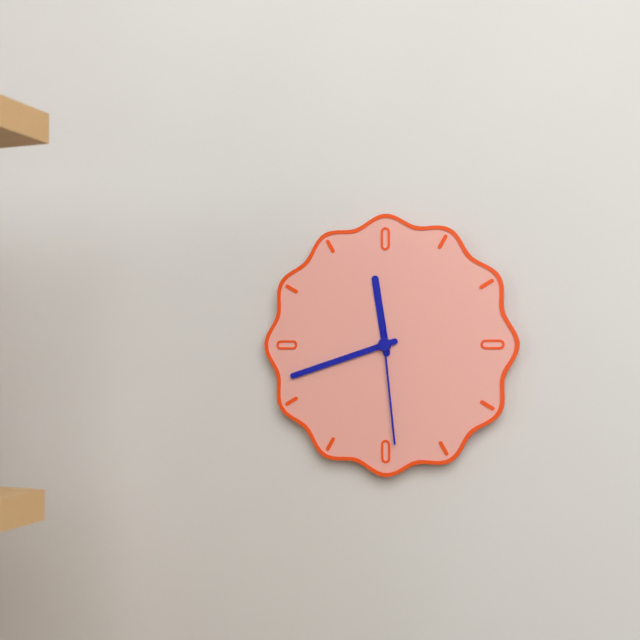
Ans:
11 h 42 min 29 s
